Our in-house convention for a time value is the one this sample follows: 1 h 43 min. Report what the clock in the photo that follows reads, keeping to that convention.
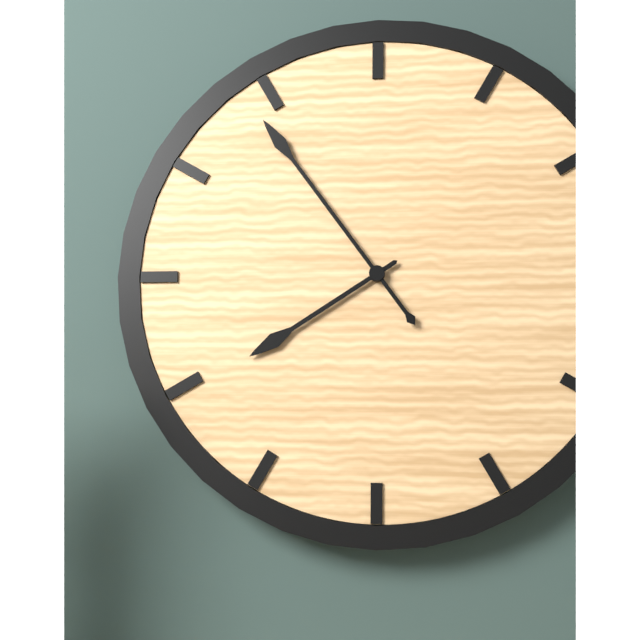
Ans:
7 h 54 min
